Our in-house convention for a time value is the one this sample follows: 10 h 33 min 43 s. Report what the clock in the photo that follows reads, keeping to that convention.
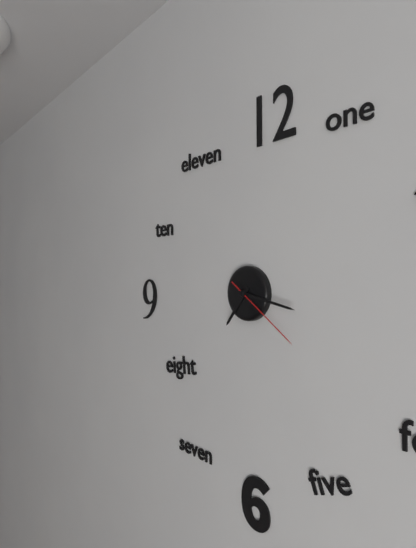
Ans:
7 h 17 min 21 s
